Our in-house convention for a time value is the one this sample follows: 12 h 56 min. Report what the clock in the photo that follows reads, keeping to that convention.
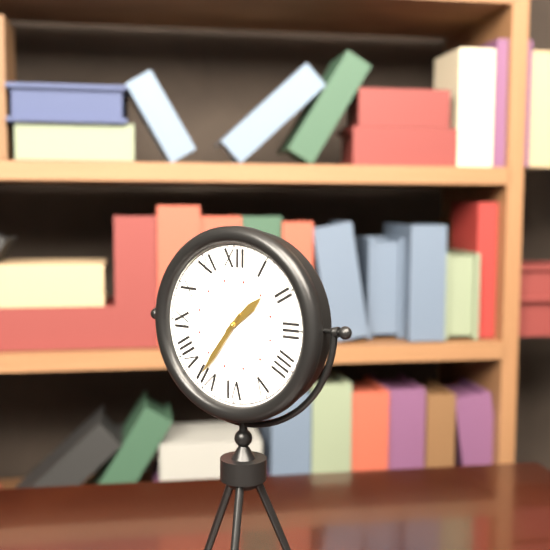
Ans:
1 h 36 min
